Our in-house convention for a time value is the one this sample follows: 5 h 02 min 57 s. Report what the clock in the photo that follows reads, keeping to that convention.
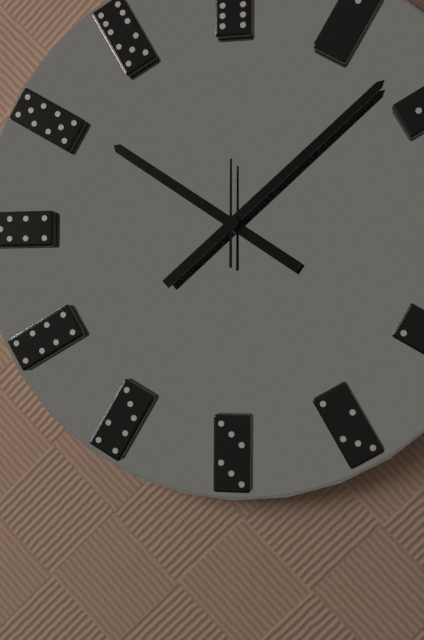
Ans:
10 h 08 min 00 s
